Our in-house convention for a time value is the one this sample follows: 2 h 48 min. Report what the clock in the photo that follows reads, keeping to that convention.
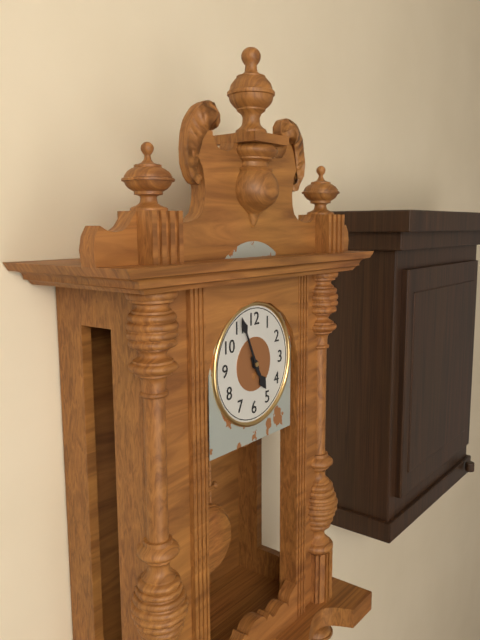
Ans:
4 h 56 min
